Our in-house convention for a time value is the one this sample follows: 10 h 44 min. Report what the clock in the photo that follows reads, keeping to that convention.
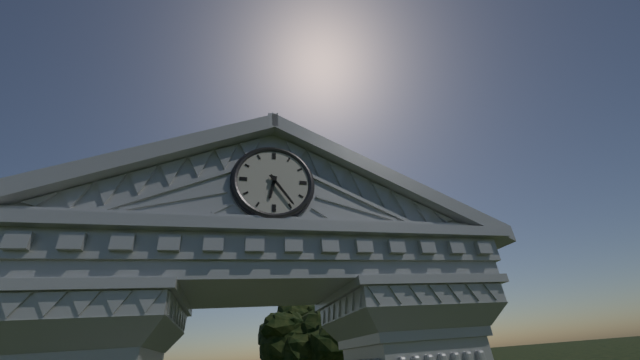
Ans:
6 h 24 min
